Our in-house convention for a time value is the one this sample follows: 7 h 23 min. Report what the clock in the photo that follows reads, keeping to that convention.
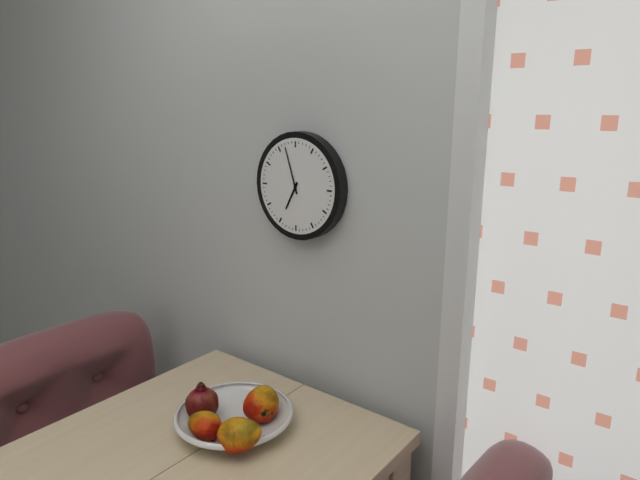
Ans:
6 h 57 min
